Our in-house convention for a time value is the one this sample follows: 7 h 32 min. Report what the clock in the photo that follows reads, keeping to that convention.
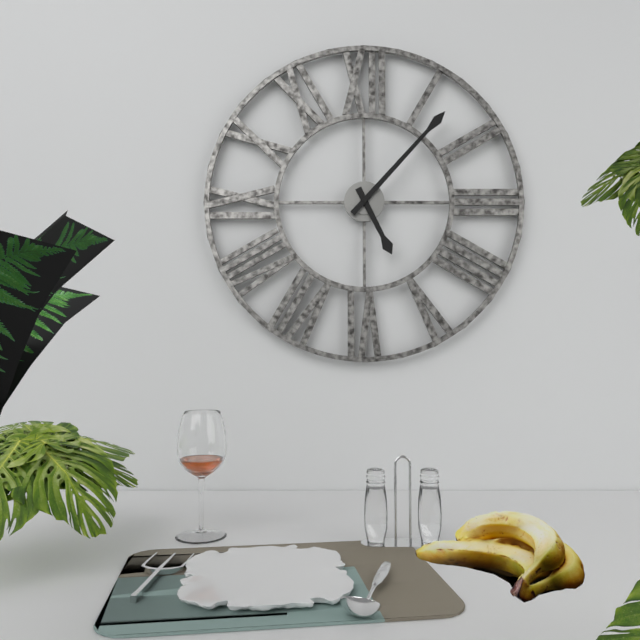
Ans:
5 h 07 min
